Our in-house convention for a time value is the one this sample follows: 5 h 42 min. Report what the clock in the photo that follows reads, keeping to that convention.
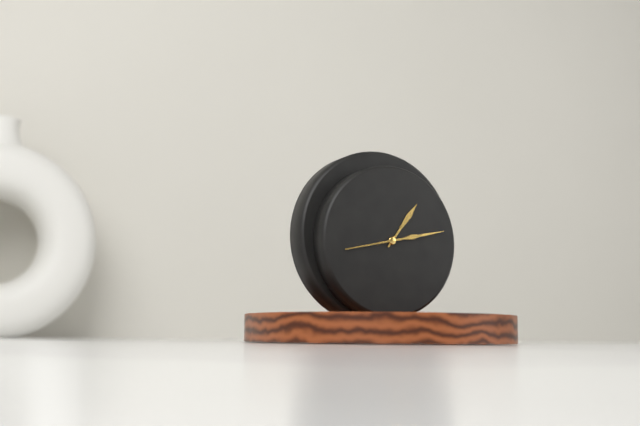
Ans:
1 h 13 min
